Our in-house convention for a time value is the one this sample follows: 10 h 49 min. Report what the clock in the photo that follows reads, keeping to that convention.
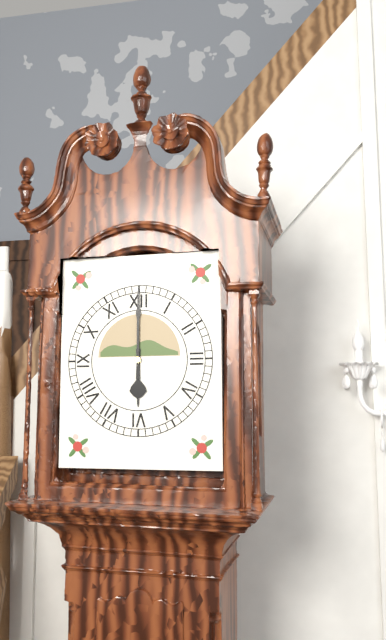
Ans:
6 h 00 min
